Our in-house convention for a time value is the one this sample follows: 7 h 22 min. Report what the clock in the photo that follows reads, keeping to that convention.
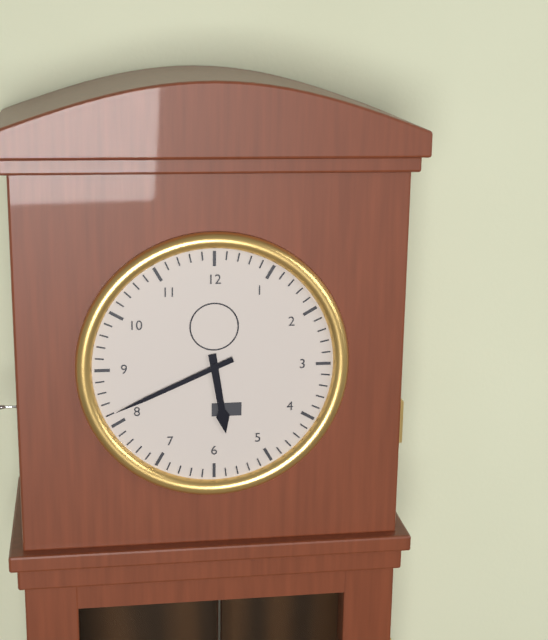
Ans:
5 h 41 min
